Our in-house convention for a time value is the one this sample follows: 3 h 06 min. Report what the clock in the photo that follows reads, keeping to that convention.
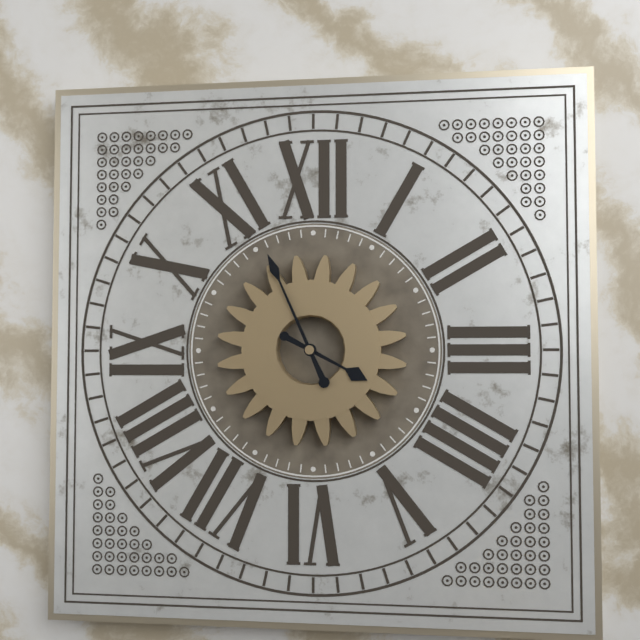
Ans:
3 h 56 min
